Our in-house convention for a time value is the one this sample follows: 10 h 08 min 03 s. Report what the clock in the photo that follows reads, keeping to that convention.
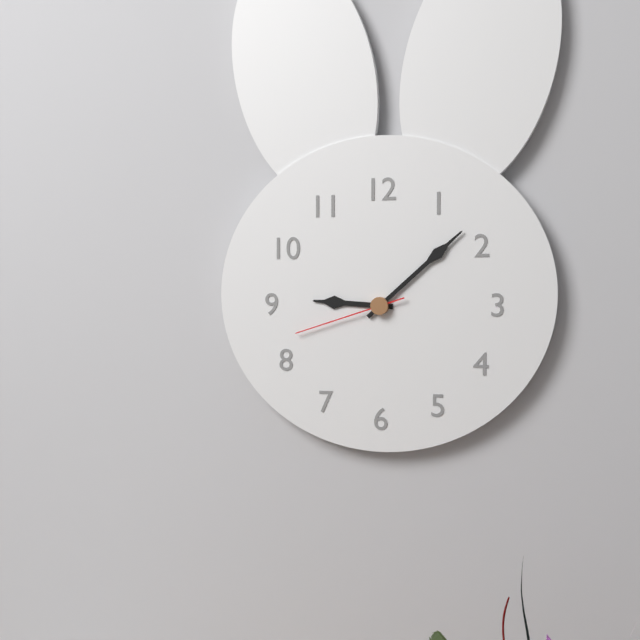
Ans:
9 h 08 min 42 s
